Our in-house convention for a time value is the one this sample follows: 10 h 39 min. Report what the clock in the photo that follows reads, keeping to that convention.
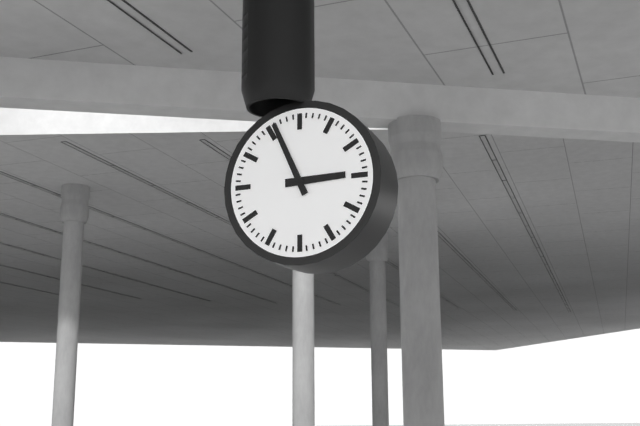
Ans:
2 h 56 min
